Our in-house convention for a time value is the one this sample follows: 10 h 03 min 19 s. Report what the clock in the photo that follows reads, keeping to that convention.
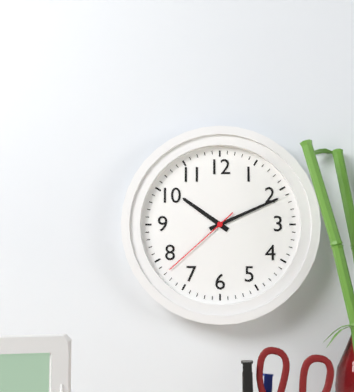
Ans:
10 h 11 min 38 s
